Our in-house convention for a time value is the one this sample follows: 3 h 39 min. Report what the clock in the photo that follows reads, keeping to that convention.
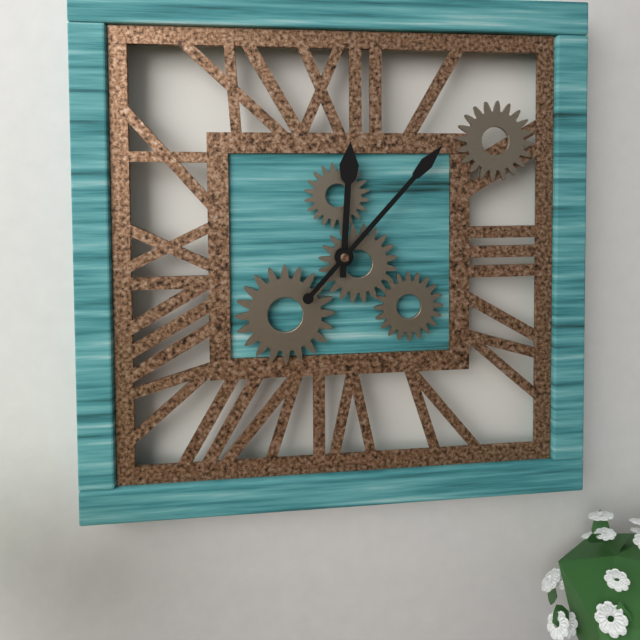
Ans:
12 h 07 min
